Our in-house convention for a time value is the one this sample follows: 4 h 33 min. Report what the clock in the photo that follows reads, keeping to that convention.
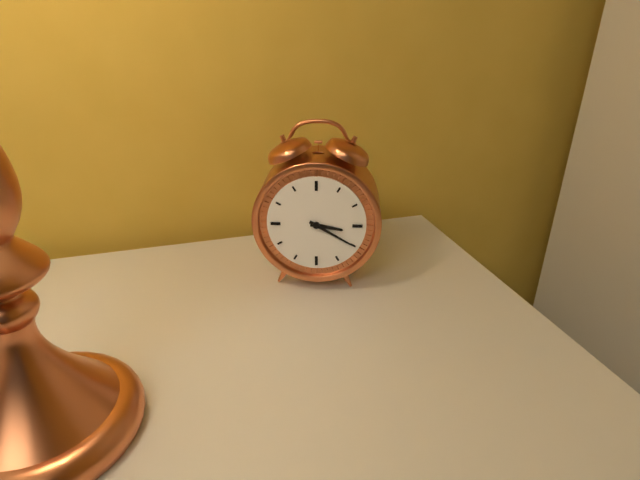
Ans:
3 h 20 min
